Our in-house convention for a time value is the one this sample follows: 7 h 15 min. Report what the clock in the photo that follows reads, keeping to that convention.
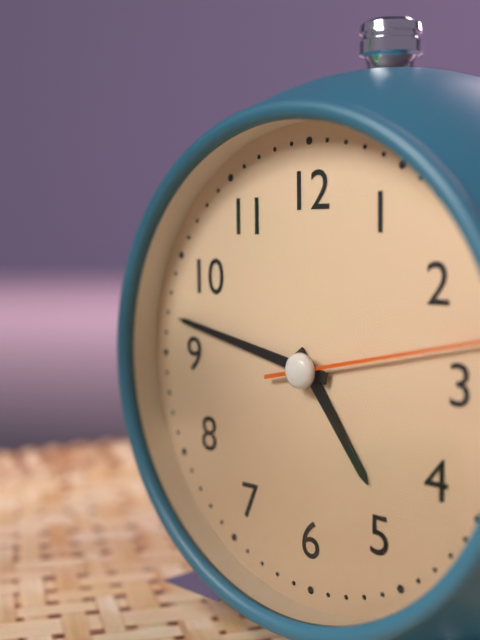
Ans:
4 h 47 min
